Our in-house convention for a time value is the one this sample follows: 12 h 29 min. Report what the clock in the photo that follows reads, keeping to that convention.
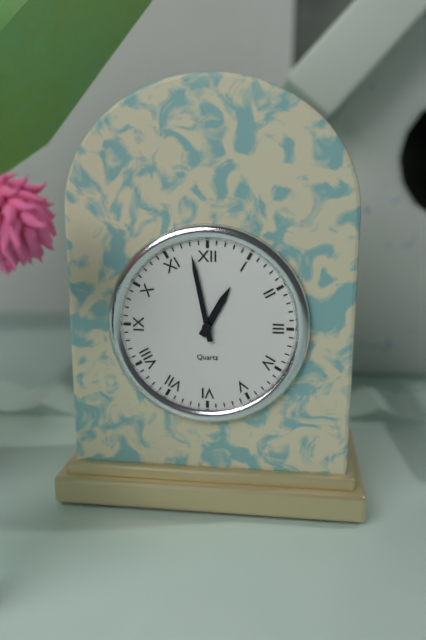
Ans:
12 h 58 min
